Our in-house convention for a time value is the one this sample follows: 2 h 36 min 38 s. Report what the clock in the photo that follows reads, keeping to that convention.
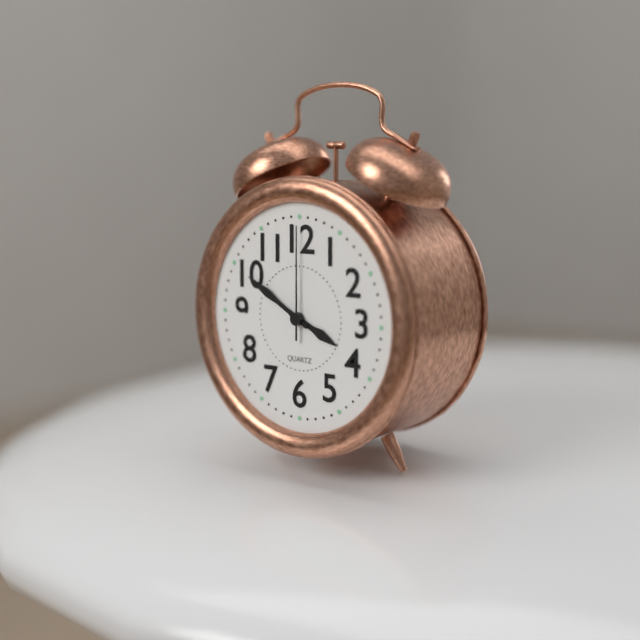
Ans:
3 h 50 min 00 s
